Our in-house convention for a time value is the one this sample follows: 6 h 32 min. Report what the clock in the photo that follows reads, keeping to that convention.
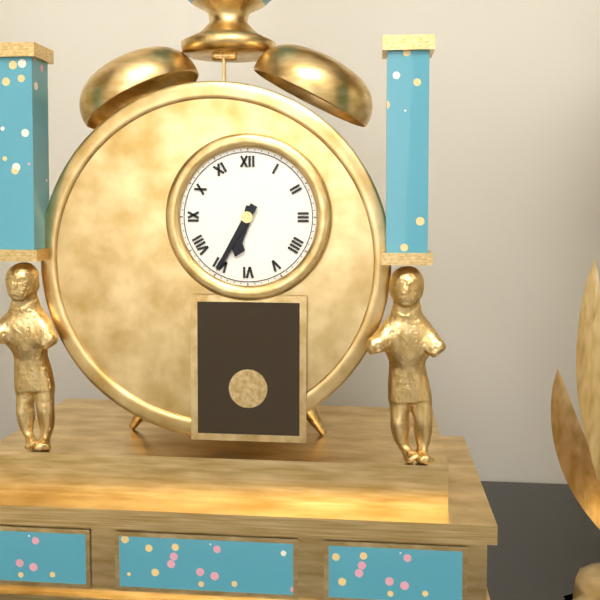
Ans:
6 h 35 min
